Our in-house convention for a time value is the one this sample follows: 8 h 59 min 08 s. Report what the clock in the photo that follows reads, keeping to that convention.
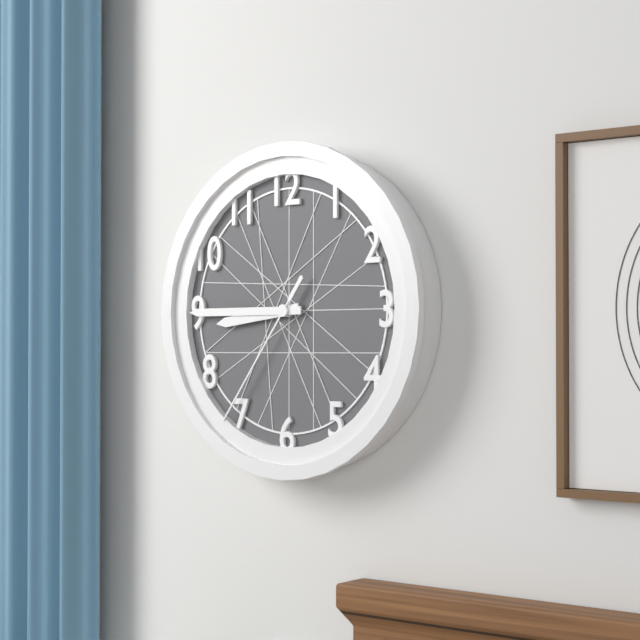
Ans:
8 h 45 min 36 s
